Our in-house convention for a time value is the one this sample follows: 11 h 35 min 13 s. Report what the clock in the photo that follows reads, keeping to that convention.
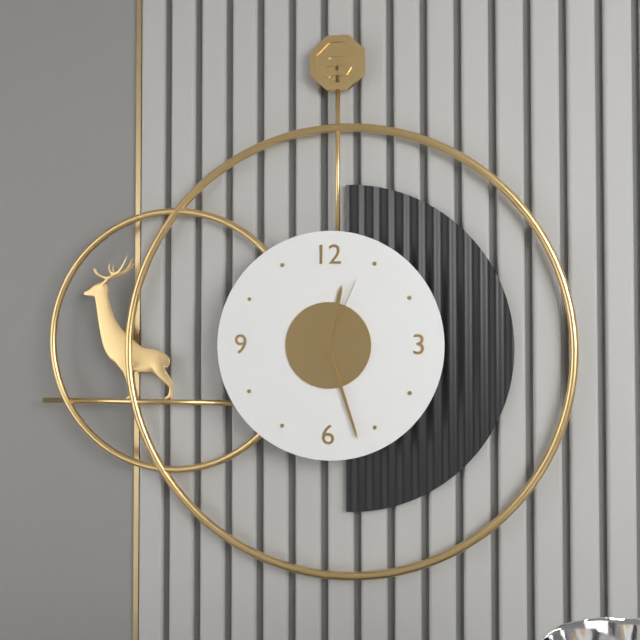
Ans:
12 h 27 min 04 s
